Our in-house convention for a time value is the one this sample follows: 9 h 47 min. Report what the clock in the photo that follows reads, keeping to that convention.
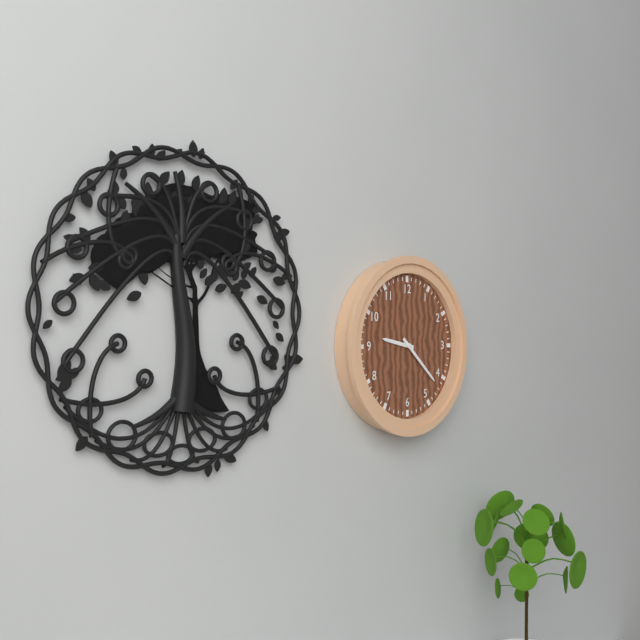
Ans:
9 h 22 min
